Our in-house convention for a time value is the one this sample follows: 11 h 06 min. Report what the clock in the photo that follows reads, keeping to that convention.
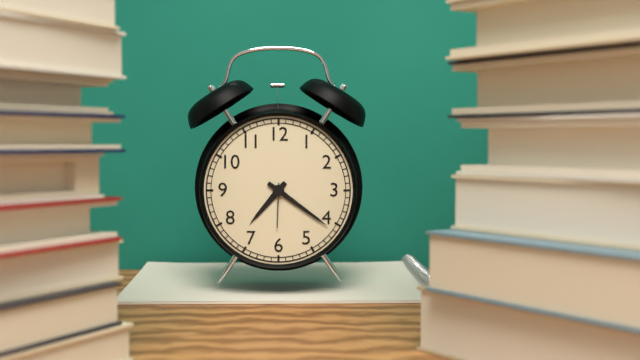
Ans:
7 h 21 min
